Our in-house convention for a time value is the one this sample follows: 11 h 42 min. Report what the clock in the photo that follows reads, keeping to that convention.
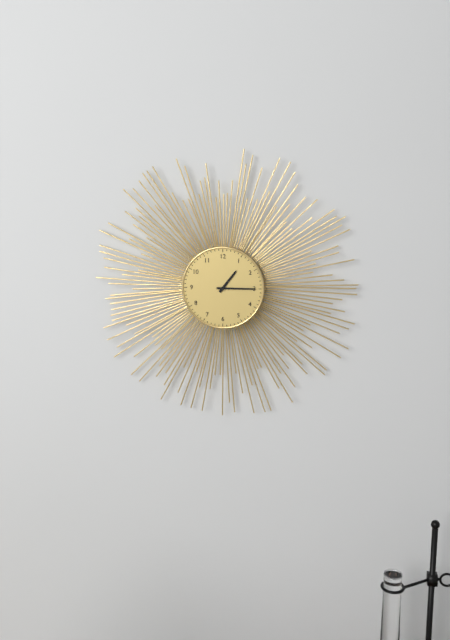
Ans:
1 h 15 min
